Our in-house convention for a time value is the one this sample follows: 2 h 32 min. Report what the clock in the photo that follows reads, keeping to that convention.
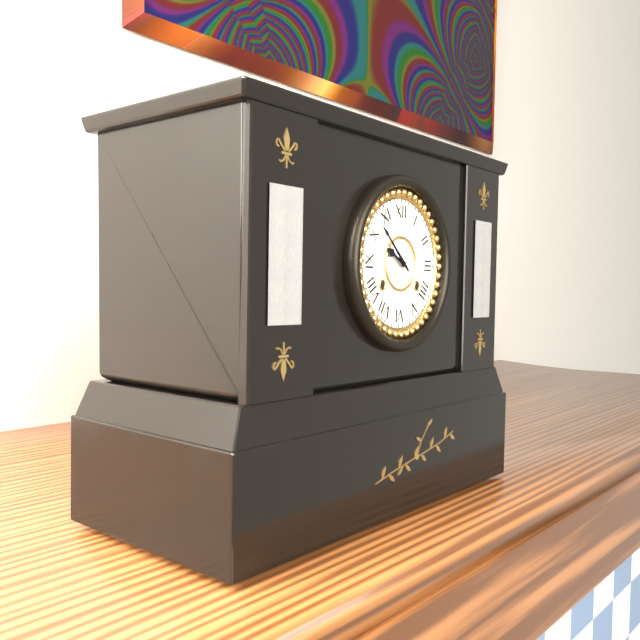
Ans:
9 h 52 min
